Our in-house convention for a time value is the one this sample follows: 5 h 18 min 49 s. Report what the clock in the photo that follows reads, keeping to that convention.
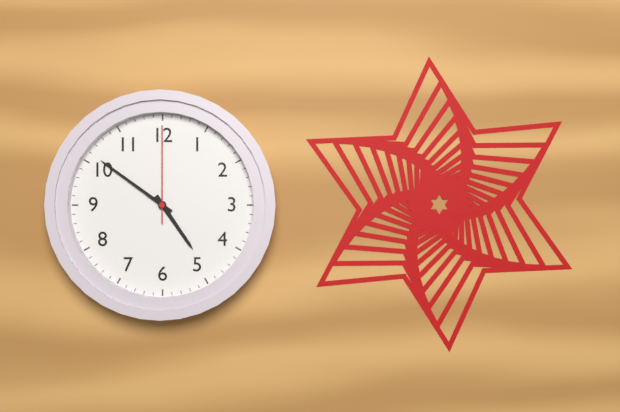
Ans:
4 h 51 min 00 s
